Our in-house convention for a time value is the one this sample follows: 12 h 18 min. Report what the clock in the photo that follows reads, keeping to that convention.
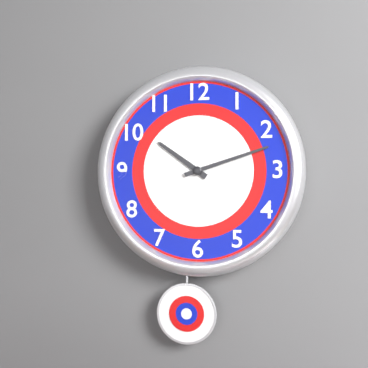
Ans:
10 h 12 min
